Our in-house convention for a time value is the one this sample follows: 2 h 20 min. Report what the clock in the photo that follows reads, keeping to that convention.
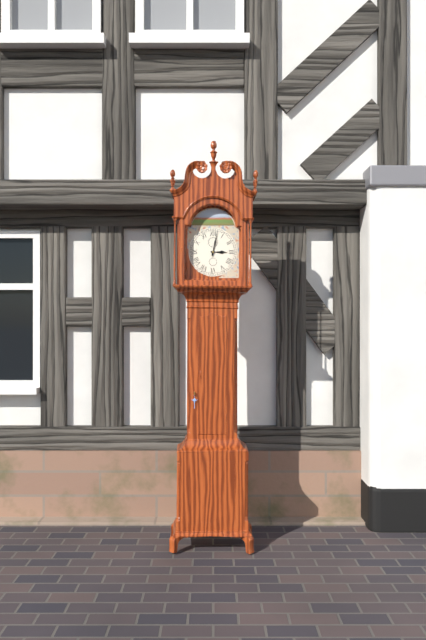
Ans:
3 h 02 min
